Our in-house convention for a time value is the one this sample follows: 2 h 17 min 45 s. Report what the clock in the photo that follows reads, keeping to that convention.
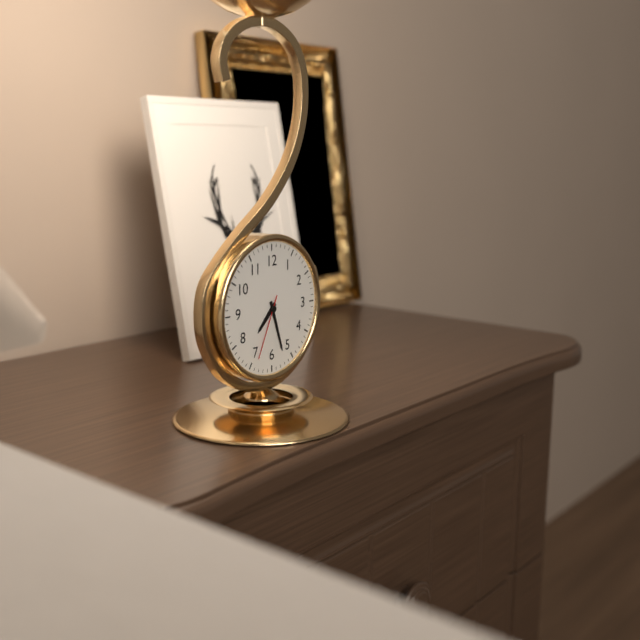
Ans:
7 h 27 min 34 s
